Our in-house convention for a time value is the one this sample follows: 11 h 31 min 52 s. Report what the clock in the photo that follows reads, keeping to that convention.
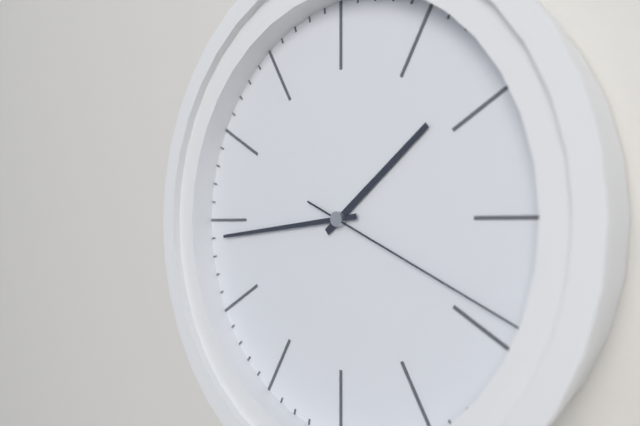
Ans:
1 h 44 min 19 s
